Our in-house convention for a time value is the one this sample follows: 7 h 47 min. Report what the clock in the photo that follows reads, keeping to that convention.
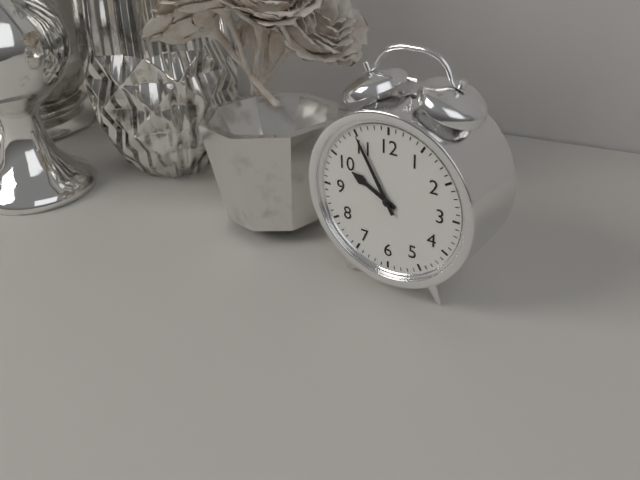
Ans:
9 h 55 min
